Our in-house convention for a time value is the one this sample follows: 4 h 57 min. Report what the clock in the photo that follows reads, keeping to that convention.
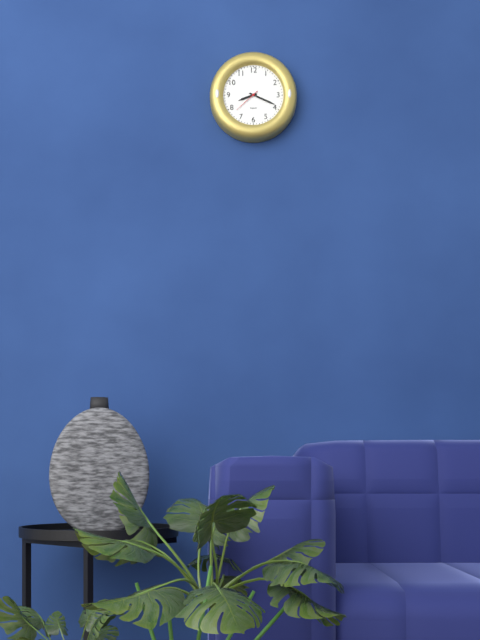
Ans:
8 h 19 min
